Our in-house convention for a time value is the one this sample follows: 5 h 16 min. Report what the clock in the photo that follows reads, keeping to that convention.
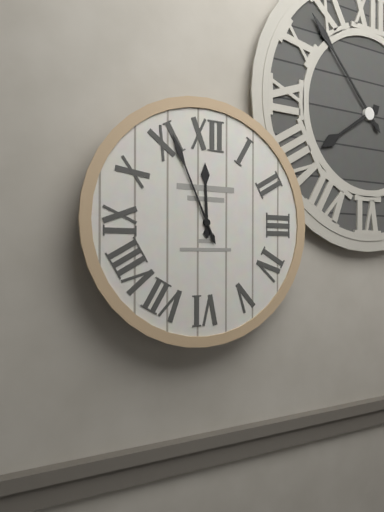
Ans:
11 h 56 min
